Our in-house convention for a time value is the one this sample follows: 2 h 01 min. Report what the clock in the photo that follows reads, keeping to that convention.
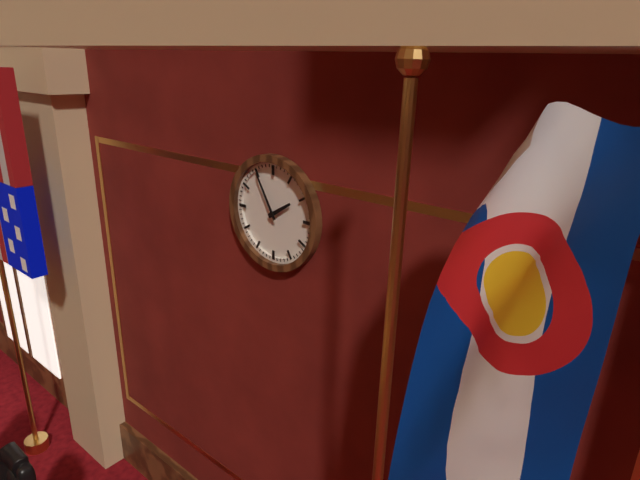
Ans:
1 h 55 min
